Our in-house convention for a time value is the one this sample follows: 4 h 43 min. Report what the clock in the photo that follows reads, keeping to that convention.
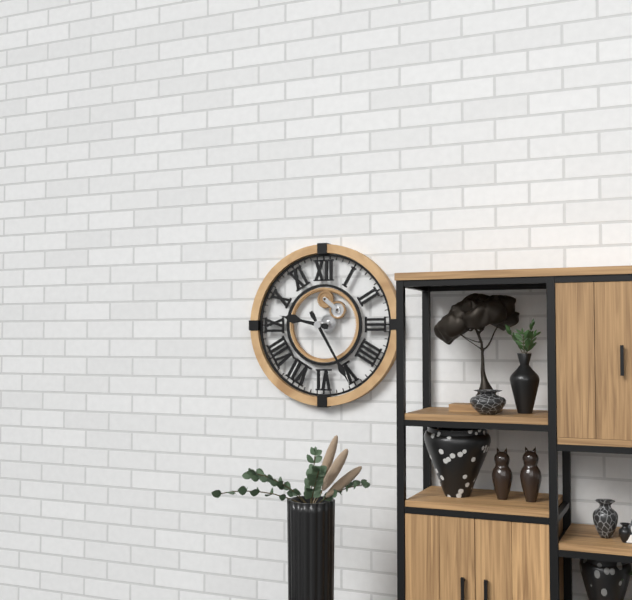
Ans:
9 h 25 min
